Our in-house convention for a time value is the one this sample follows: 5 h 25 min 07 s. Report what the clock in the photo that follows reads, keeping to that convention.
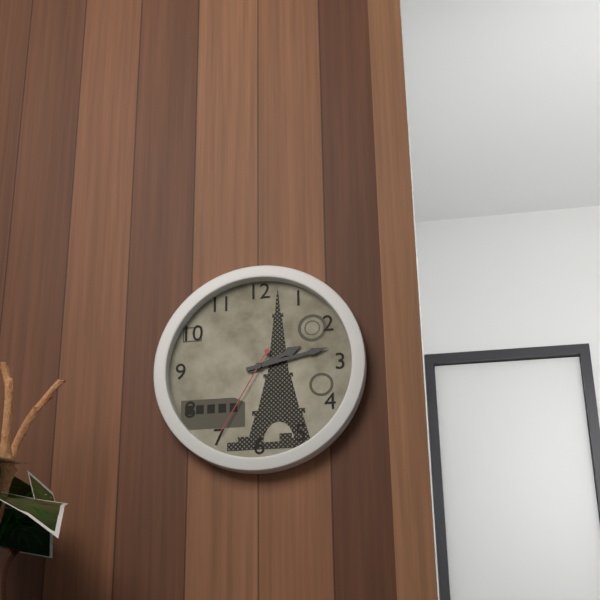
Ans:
2 h 13 min 35 s
